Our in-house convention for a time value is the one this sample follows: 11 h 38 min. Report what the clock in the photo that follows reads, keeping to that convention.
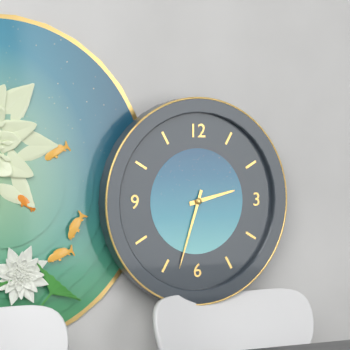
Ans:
2 h 33 min
